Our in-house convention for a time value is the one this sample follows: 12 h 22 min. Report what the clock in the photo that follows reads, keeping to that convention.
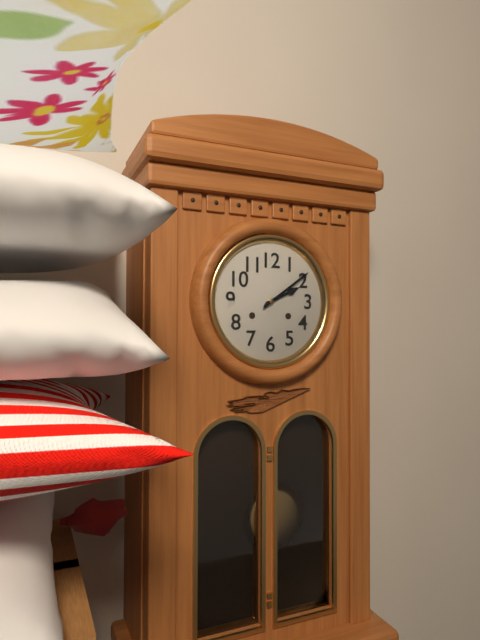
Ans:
2 h 09 min
